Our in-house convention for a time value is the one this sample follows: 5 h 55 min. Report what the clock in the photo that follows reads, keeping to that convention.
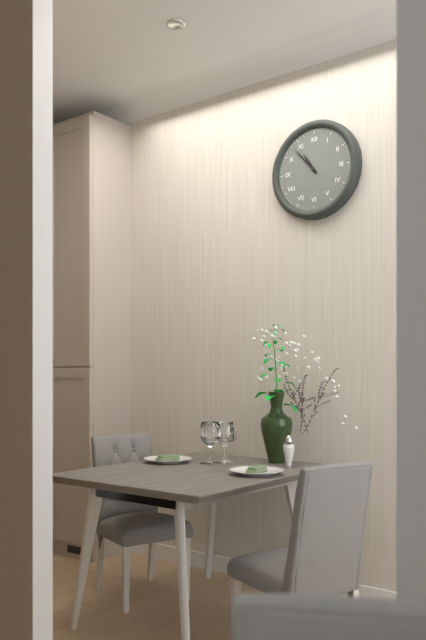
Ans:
10 h 53 min
